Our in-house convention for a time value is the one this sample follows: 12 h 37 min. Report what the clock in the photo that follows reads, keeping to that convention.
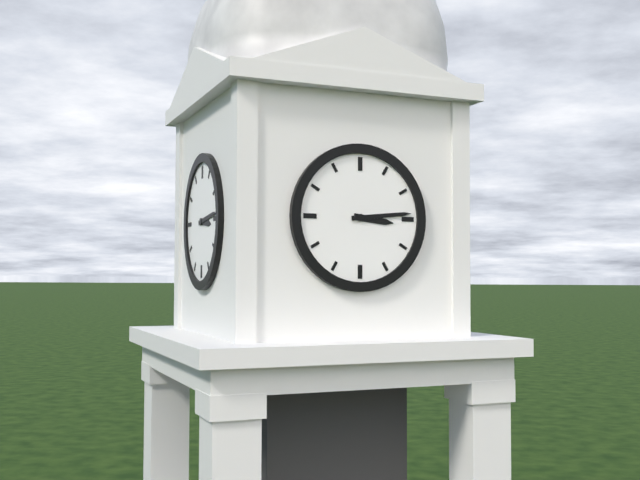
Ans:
3 h 14 min
